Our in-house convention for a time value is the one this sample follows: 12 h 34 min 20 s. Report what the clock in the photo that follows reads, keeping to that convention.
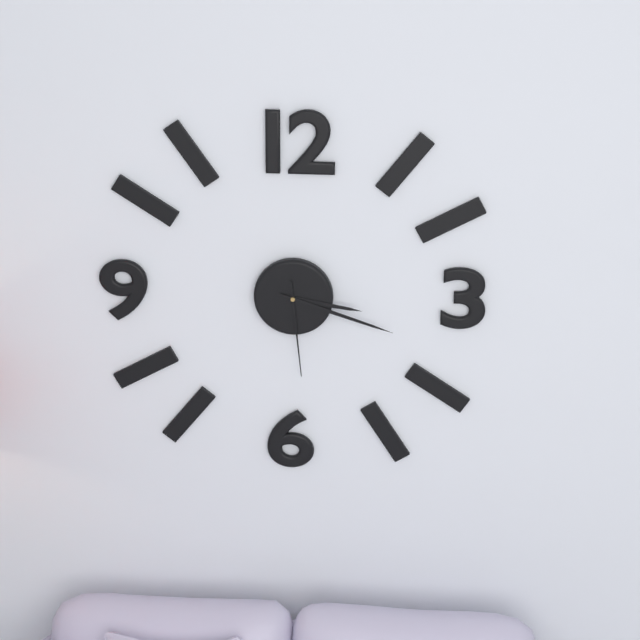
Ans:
3 h 18 min 29 s
